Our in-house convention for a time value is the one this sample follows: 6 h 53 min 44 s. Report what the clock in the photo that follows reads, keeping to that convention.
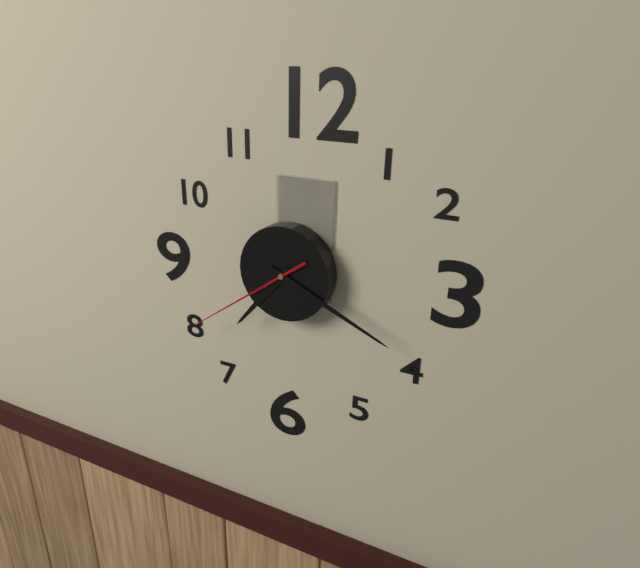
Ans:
7 h 19 min 39 s
